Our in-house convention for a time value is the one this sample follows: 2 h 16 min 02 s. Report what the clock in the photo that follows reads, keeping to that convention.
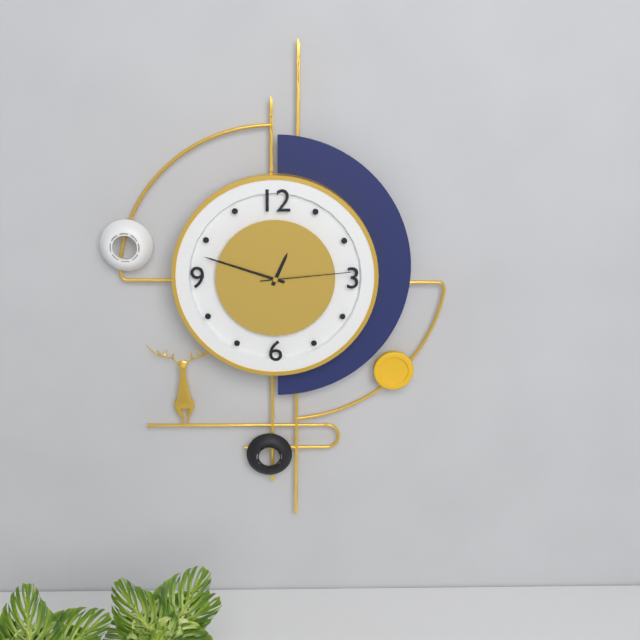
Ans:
12 h 48 min 14 s
